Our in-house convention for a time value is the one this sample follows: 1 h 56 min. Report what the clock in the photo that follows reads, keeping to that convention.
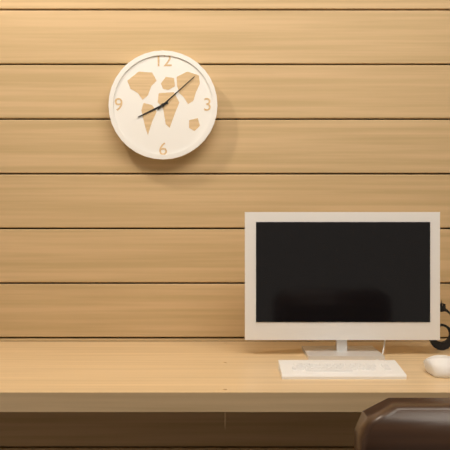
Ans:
8 h 08 min
